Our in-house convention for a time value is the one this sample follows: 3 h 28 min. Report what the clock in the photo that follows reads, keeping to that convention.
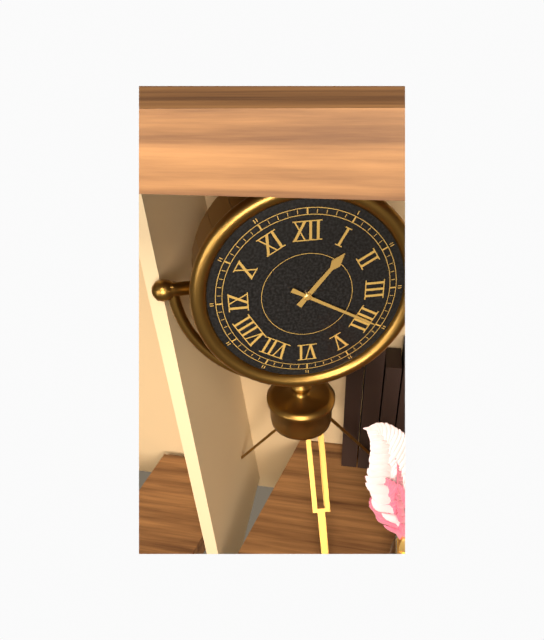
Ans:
1 h 20 min
